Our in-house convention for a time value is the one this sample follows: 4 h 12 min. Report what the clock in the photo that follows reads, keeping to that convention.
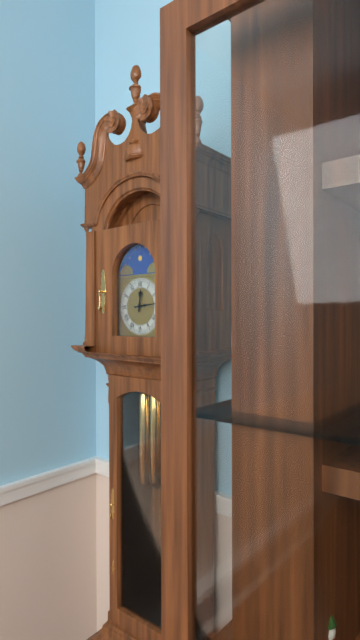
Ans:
12 h 14 min
